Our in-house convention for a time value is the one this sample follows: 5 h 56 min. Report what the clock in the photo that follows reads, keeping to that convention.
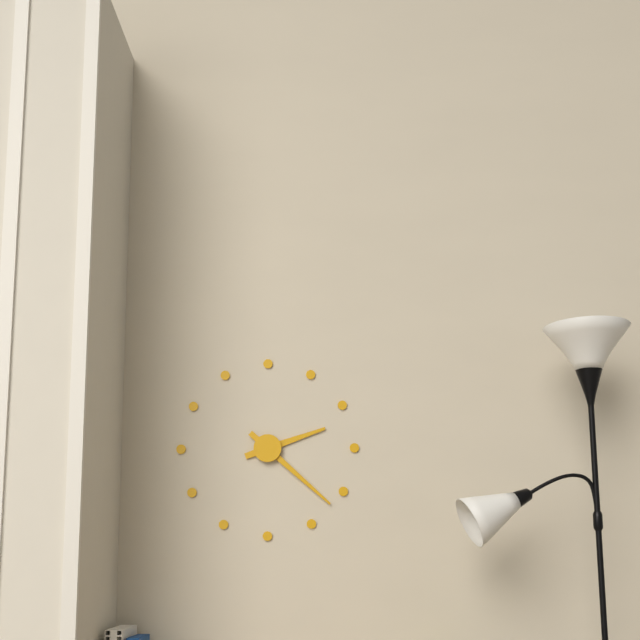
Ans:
2 h 22 min
